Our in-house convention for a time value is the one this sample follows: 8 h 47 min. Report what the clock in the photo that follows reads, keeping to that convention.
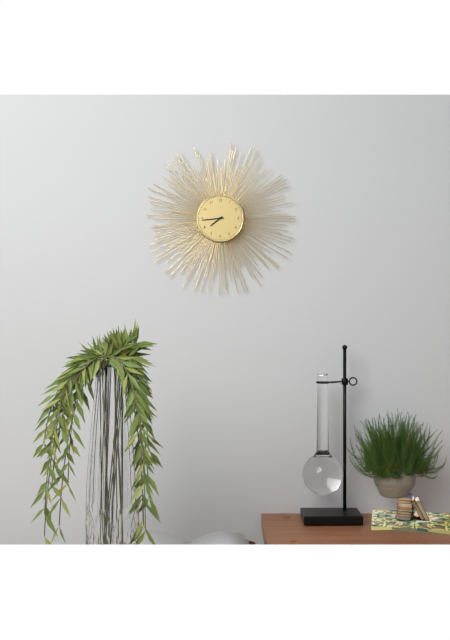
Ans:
7 h 44 min
